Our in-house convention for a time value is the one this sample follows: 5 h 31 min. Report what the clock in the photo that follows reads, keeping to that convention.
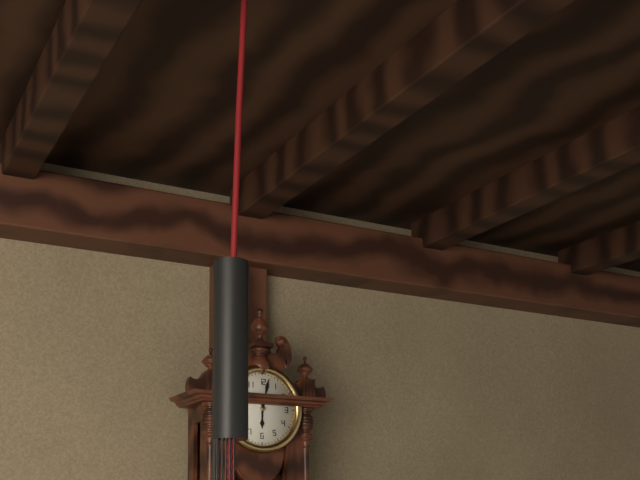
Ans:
6 h 02 min
